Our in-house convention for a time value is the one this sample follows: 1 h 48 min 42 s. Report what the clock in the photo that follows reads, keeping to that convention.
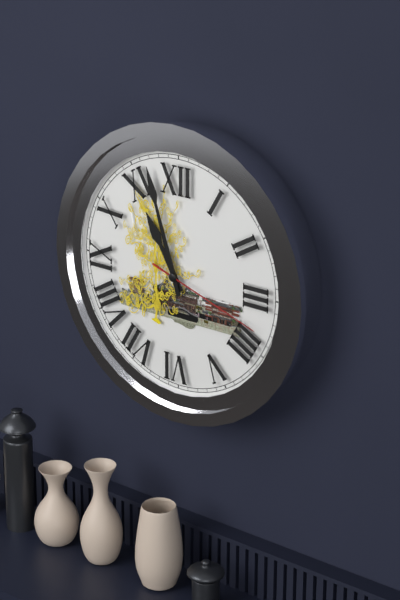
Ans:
10 h 57 min 18 s
